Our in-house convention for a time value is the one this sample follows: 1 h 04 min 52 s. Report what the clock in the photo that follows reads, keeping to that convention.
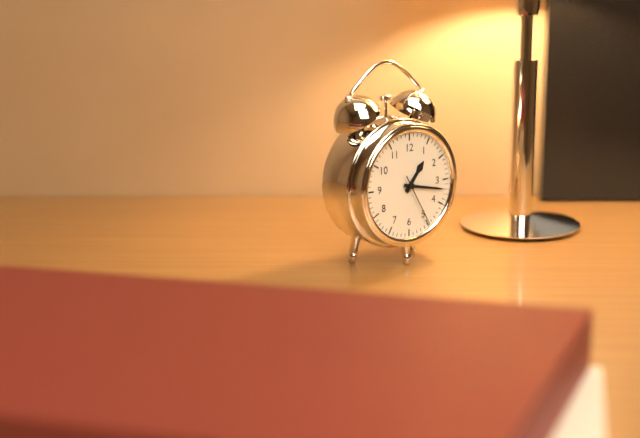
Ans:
1 h 17 min 25 s
